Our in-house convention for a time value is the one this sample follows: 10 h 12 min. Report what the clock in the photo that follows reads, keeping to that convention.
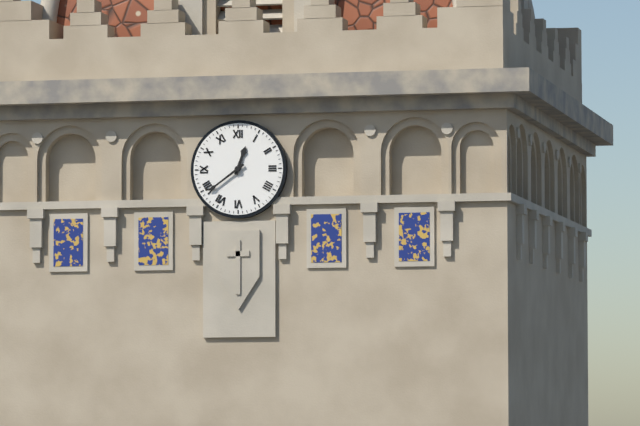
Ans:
12 h 39 min
